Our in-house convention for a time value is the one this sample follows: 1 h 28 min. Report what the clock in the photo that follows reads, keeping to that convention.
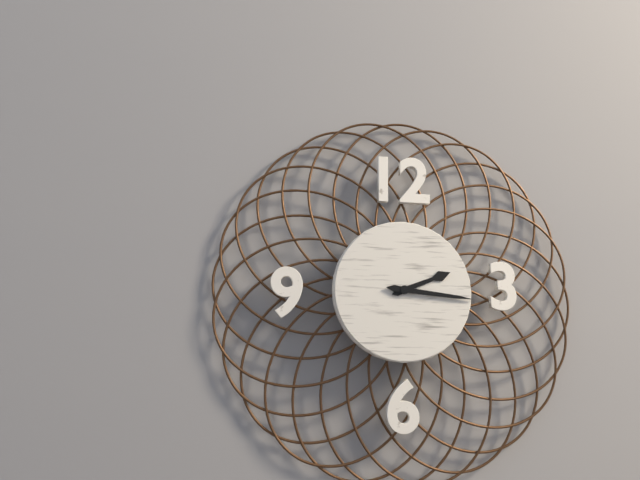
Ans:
2 h 16 min
